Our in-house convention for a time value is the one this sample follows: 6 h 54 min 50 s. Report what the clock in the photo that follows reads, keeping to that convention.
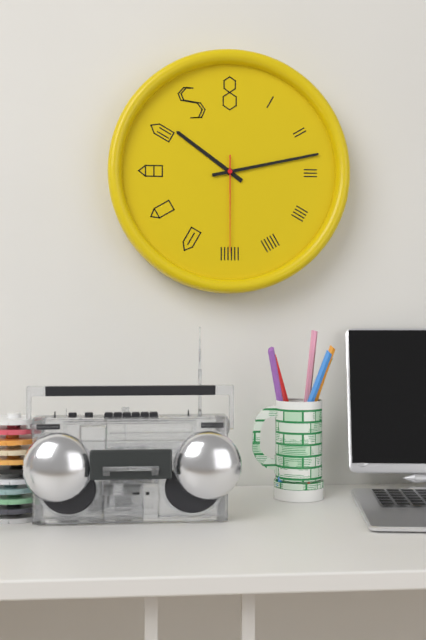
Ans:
10 h 13 min 30 s
